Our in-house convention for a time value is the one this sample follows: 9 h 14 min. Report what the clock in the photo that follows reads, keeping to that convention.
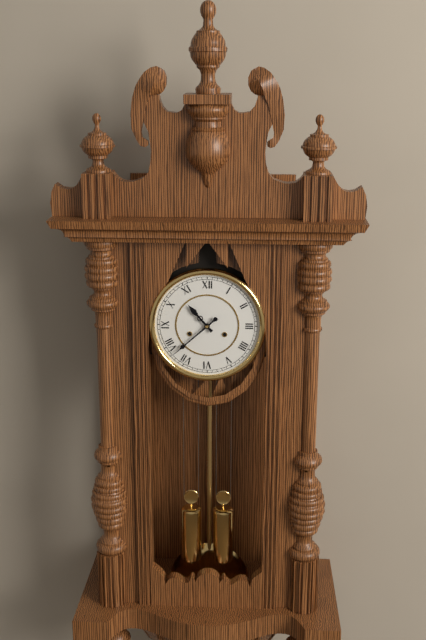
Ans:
10 h 38 min
